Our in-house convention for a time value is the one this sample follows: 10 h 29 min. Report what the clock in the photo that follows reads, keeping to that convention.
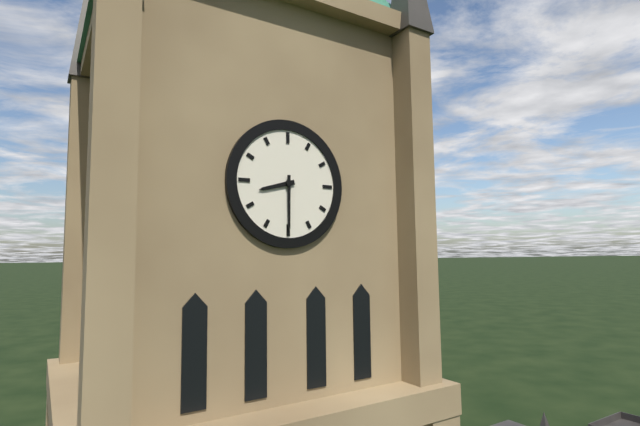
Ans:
8 h 30 min
